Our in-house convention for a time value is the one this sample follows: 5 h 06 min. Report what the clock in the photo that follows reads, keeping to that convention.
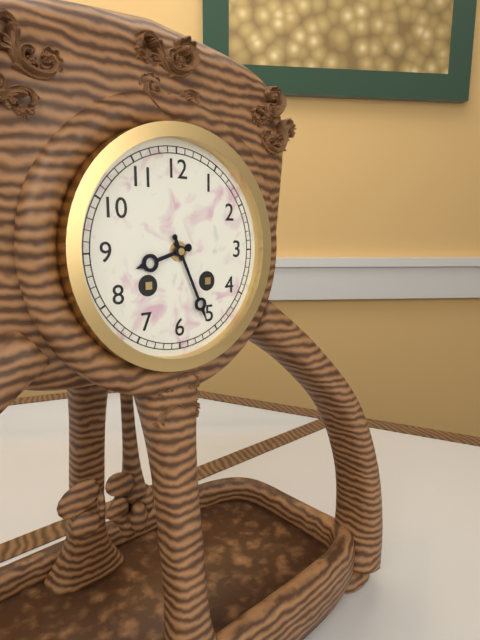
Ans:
8 h 26 min
